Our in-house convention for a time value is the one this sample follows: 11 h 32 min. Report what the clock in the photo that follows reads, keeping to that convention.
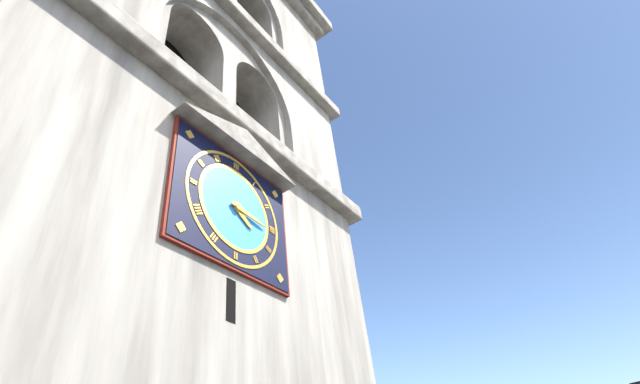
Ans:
4 h 16 min
